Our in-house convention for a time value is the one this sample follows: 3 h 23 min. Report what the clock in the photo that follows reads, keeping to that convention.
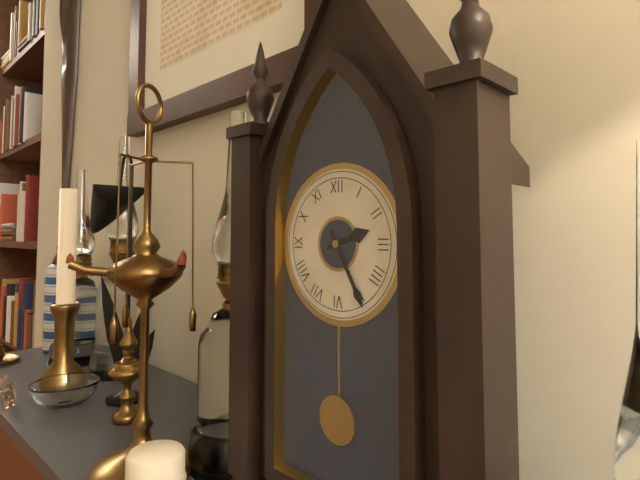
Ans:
2 h 25 min
